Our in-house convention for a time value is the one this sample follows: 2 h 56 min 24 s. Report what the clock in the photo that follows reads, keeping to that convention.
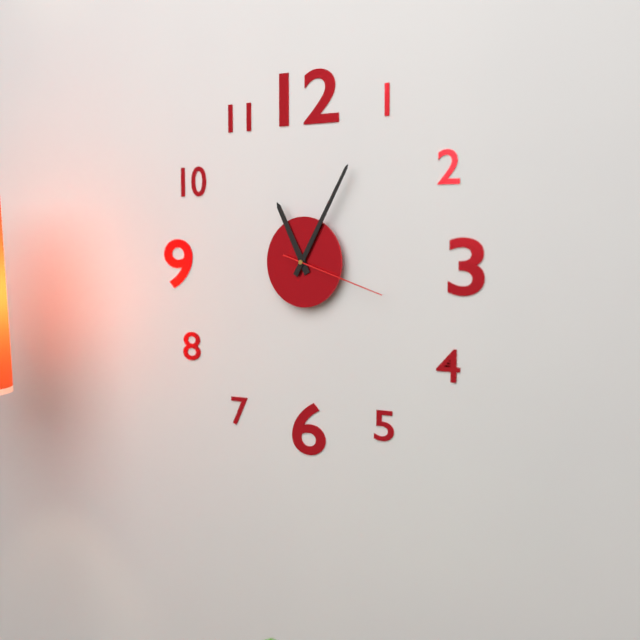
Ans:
11 h 05 min 18 s
